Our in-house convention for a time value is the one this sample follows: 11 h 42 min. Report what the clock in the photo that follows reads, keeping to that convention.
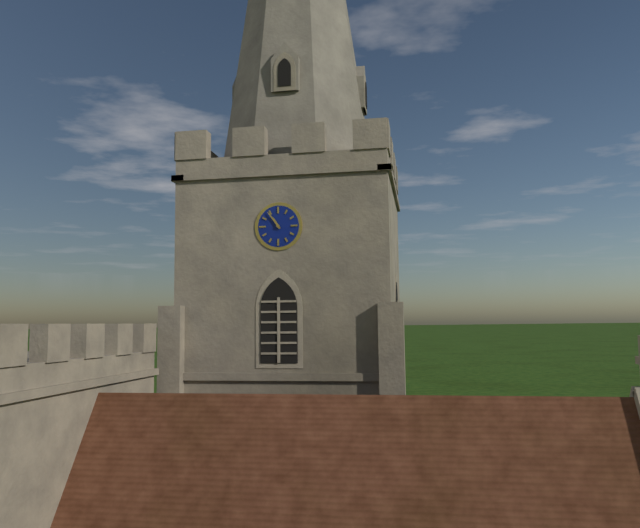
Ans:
10 h 54 min
